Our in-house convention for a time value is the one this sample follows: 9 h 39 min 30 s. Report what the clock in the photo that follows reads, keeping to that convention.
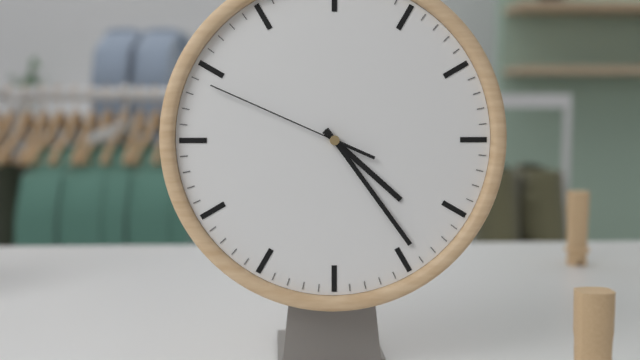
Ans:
4 h 24 min 49 s
